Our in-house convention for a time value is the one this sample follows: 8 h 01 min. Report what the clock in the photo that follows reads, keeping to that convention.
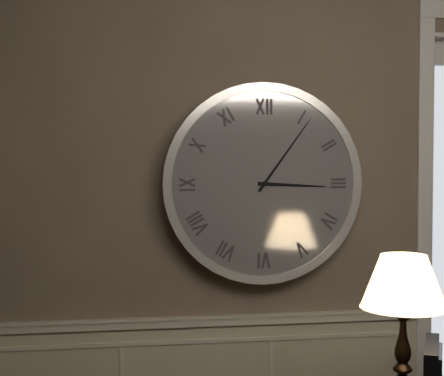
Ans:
3 h 06 min
